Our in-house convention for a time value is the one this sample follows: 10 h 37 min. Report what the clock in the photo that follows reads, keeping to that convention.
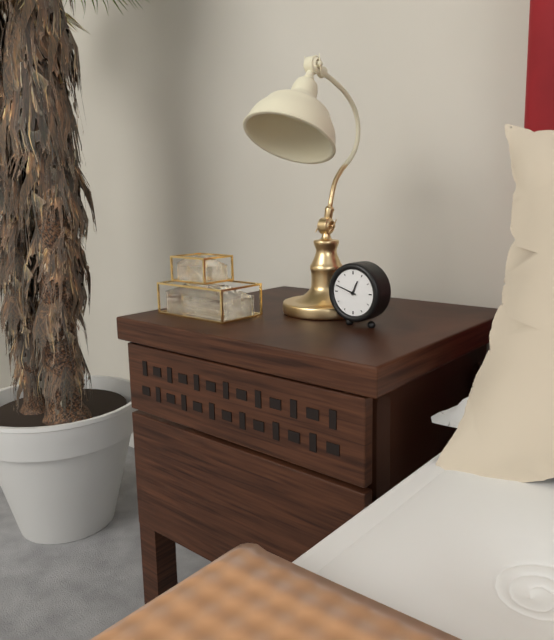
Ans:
12 h 48 min
